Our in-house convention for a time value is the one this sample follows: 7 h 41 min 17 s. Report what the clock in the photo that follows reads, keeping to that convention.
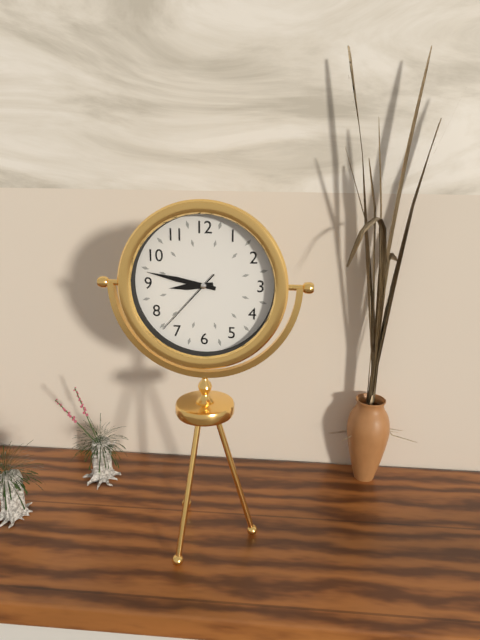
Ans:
8 h 47 min 37 s
